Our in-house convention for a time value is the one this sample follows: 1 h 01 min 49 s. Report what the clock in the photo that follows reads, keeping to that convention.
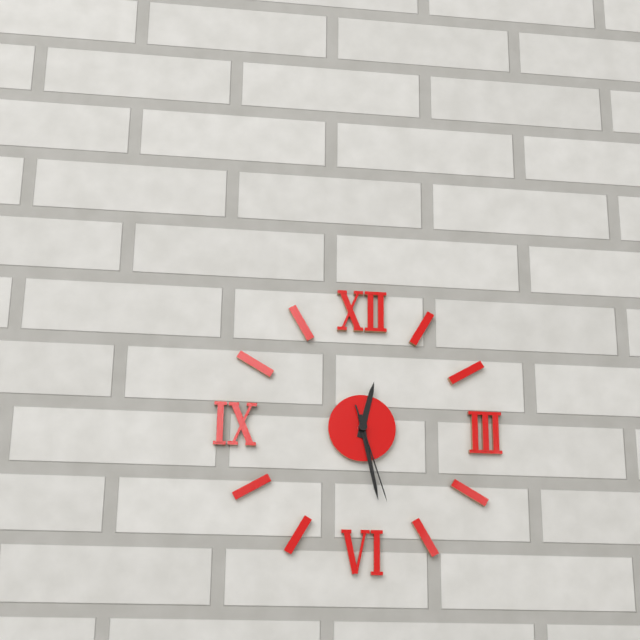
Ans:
12 h 28 min 27 s
